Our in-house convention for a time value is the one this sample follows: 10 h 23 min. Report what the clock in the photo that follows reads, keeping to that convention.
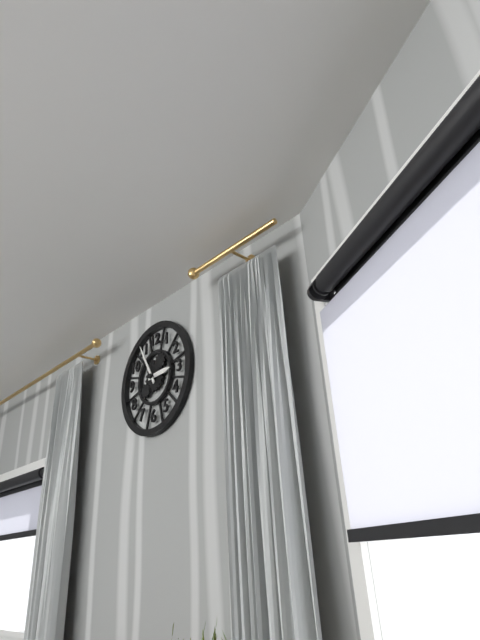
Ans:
2 h 55 min
